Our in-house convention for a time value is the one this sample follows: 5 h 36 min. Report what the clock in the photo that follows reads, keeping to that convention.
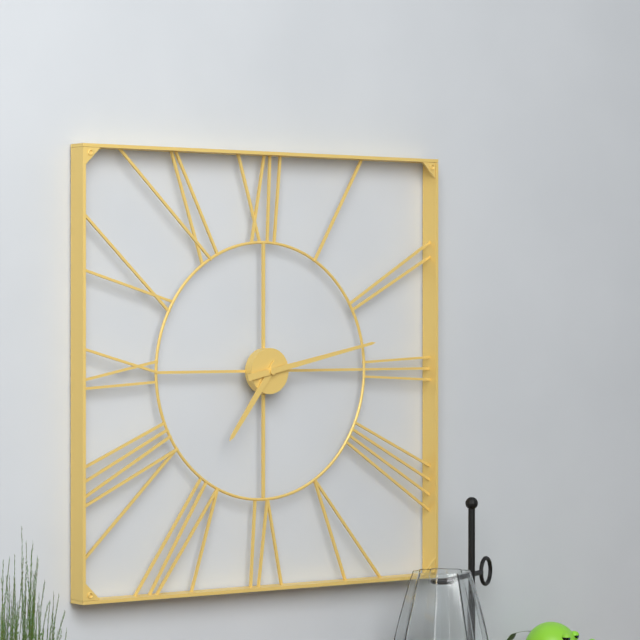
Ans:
7 h 13 min
